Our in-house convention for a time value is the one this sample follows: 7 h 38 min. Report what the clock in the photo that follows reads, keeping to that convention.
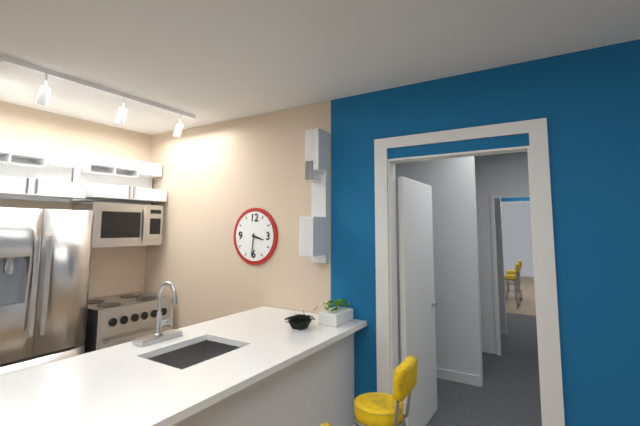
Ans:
3 h 31 min
